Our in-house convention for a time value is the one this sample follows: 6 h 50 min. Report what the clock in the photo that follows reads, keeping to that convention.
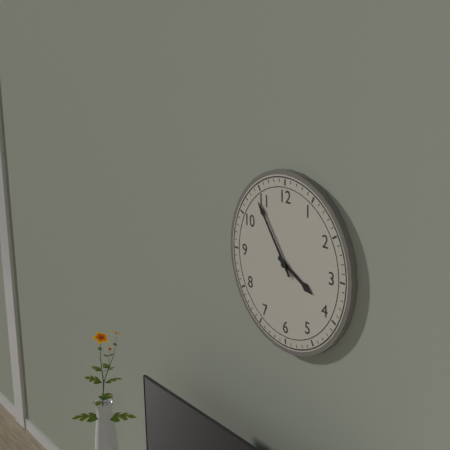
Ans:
3 h 54 min
